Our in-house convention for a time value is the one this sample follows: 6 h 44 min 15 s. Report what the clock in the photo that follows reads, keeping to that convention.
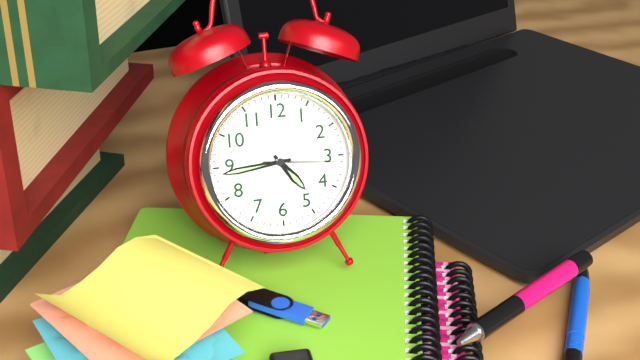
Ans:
4 h 44 min 16 s
